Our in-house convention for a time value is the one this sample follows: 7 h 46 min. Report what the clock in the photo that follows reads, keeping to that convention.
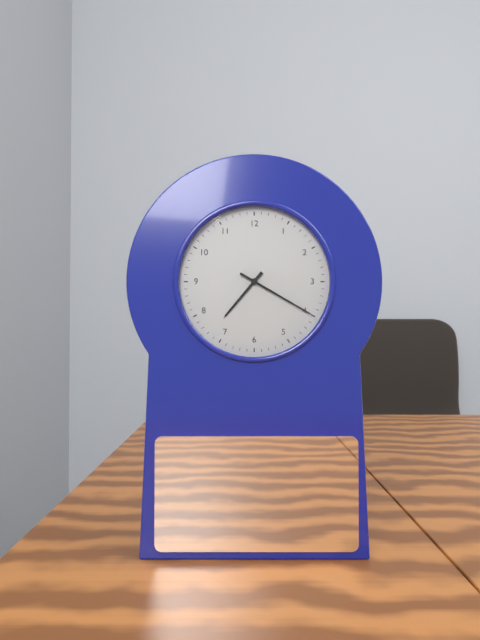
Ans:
7 h 20 min
